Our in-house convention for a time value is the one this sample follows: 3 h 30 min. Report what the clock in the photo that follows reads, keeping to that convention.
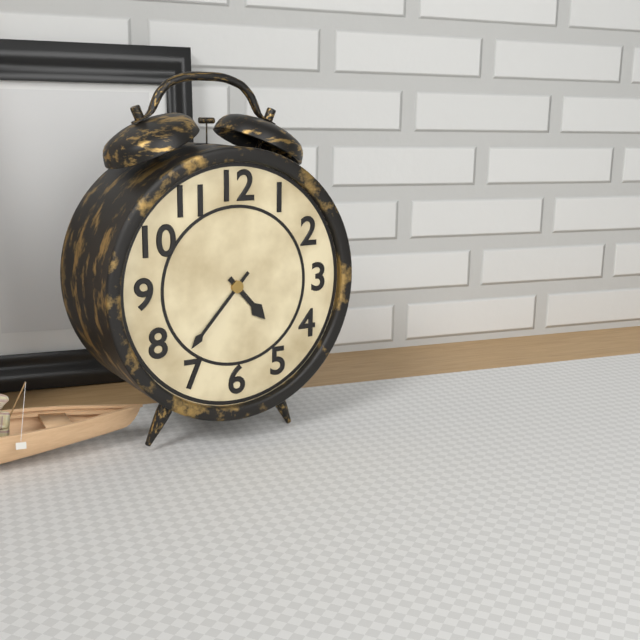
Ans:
4 h 37 min
